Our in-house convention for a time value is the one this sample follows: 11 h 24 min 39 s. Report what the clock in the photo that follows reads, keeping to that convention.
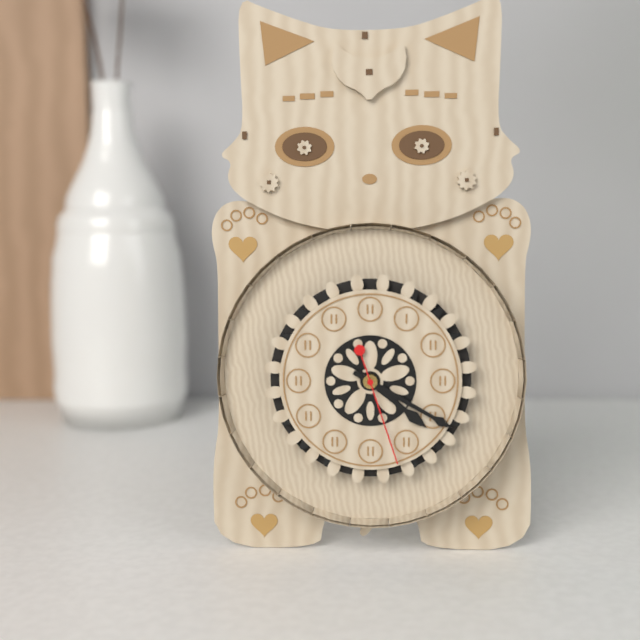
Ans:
4 h 20 min 27 s
